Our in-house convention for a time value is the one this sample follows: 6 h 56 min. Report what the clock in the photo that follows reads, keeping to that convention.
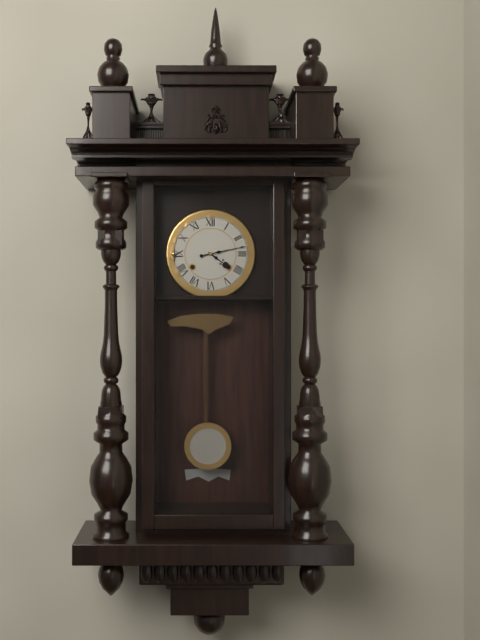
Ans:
4 h 13 min
